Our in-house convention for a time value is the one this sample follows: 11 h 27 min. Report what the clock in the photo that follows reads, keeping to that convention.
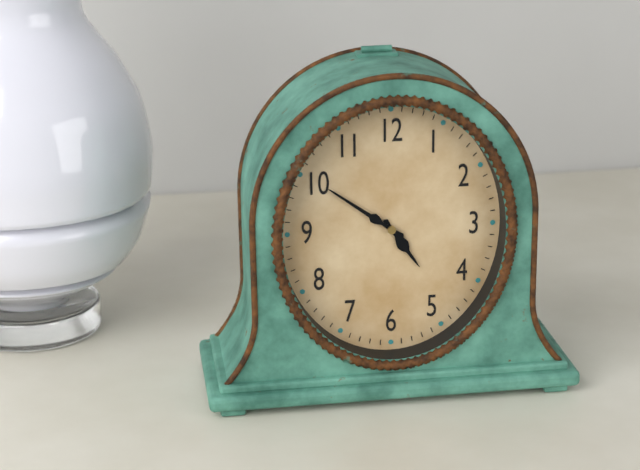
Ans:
4 h 51 min
